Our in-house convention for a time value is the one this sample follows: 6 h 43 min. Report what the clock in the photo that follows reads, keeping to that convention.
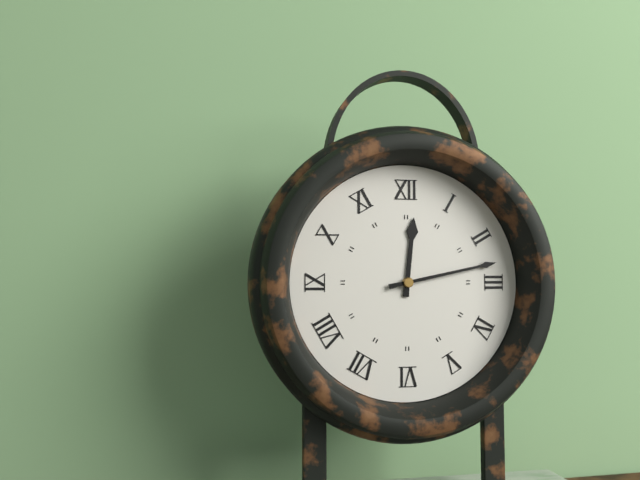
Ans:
12 h 13 min
